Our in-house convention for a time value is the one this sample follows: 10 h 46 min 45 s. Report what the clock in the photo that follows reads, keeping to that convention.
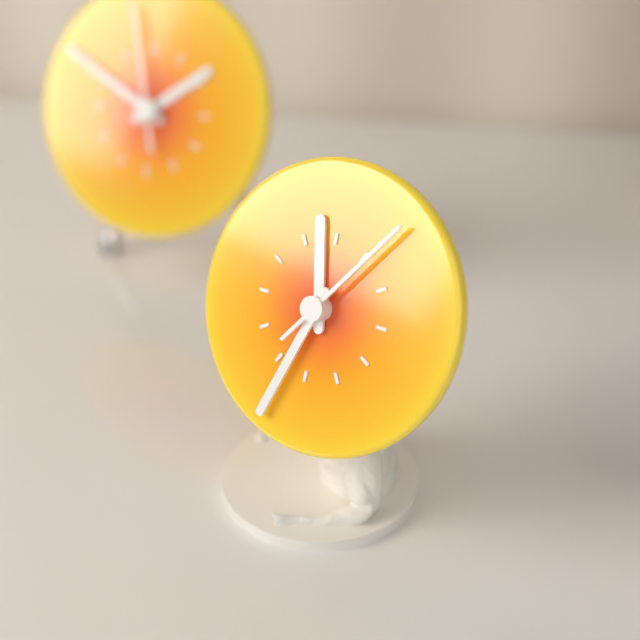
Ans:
11 h 33 min 06 s
